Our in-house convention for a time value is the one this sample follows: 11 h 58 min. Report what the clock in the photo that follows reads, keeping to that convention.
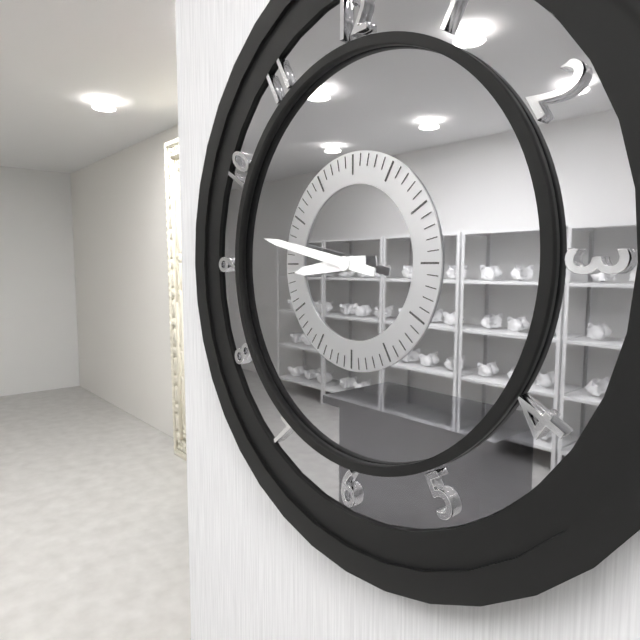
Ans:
8 h 47 min
